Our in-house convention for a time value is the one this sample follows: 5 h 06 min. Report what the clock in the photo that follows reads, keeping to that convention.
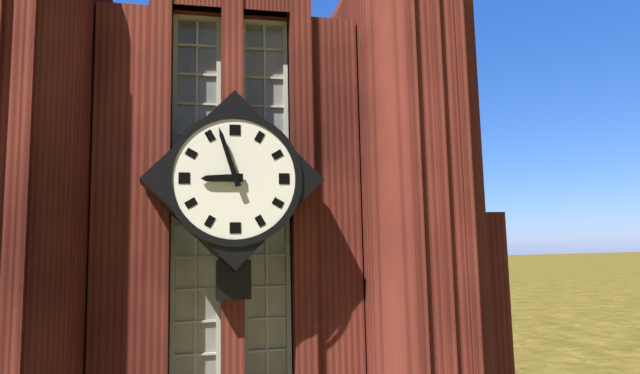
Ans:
8 h 57 min
